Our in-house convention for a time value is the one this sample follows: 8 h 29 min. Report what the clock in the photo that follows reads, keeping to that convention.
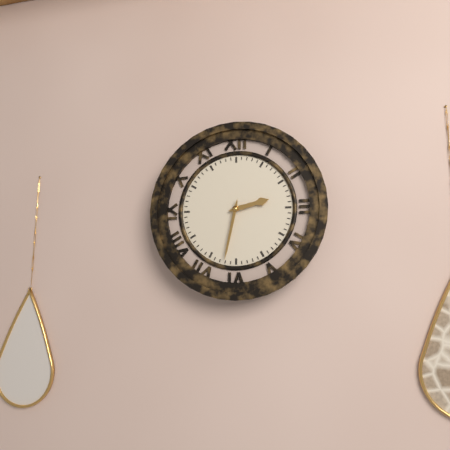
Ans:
2 h 32 min
